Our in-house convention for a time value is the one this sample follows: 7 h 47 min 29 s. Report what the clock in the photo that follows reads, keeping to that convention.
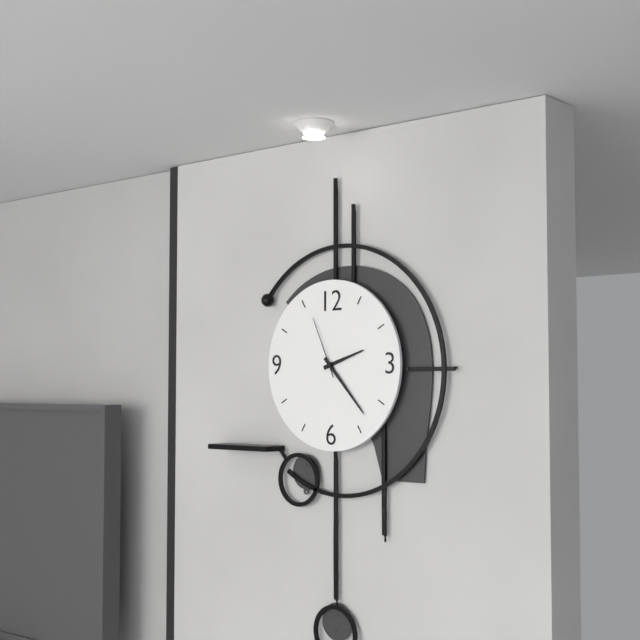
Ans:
2 h 23 min 56 s
